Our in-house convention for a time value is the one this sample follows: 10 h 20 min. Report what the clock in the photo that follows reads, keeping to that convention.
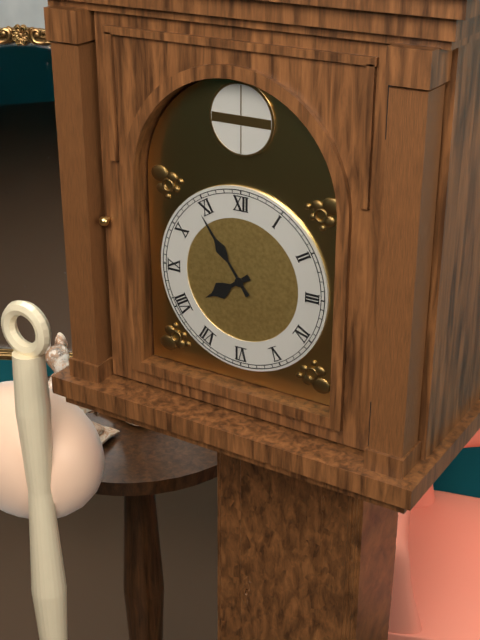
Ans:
7 h 54 min
